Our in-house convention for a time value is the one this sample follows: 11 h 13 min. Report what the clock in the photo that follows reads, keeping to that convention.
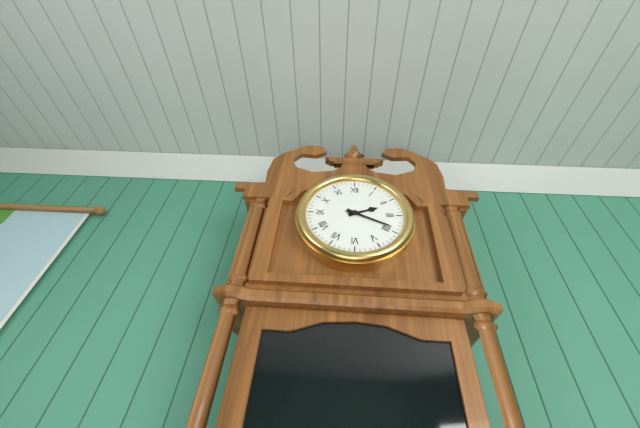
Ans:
2 h 19 min
